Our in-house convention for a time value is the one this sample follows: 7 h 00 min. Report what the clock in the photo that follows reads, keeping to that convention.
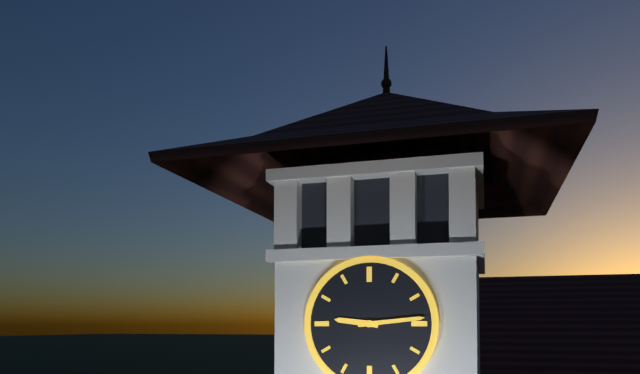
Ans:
9 h 14 min
